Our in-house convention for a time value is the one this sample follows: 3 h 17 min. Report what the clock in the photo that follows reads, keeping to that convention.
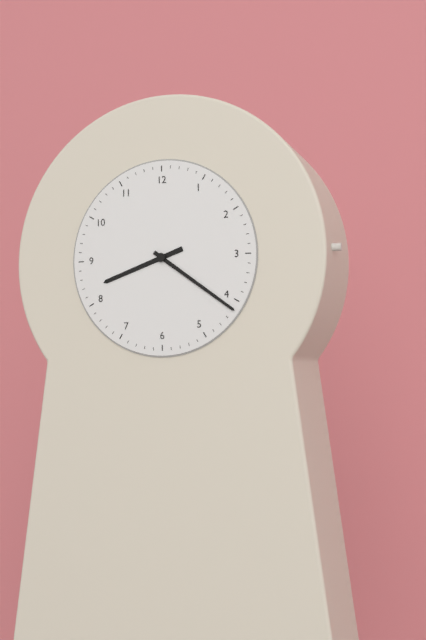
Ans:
8 h 21 min
